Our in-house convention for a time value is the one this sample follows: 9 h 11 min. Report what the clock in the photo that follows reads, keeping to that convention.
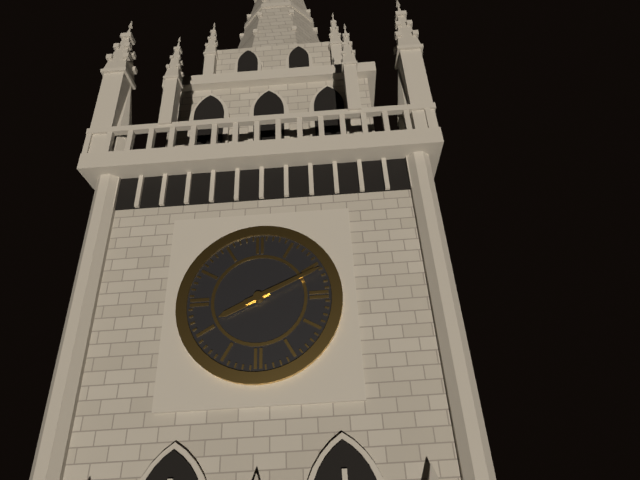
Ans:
8 h 11 min
